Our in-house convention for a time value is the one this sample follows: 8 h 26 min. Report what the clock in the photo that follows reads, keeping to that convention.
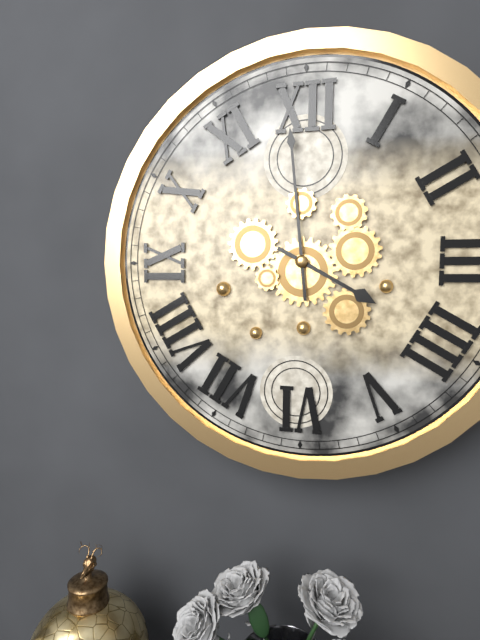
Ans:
3 h 59 min
